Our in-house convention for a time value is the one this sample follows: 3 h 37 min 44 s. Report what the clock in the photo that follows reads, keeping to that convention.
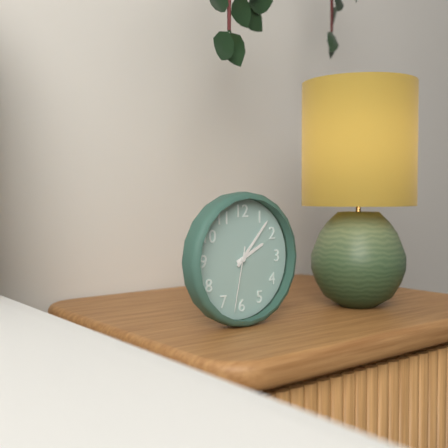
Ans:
2 h 07 min 32 s
